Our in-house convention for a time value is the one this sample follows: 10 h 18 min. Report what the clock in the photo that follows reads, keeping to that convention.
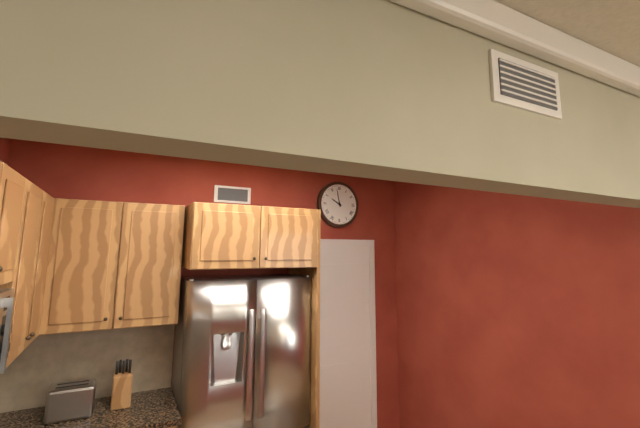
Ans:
9 h 58 min
